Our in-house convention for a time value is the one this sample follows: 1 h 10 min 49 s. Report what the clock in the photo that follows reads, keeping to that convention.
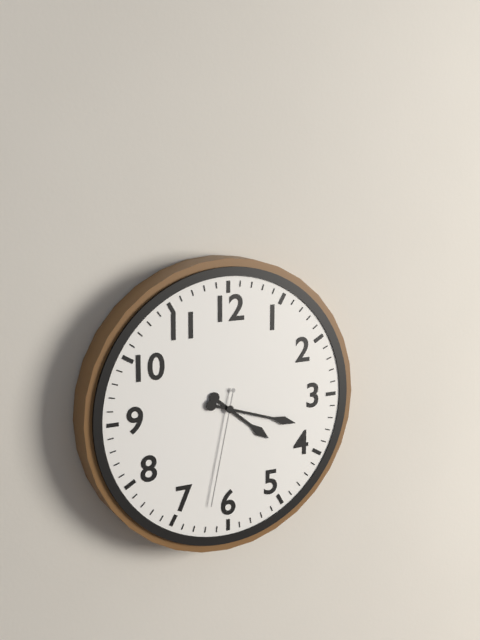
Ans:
4 h 18 min 32 s
